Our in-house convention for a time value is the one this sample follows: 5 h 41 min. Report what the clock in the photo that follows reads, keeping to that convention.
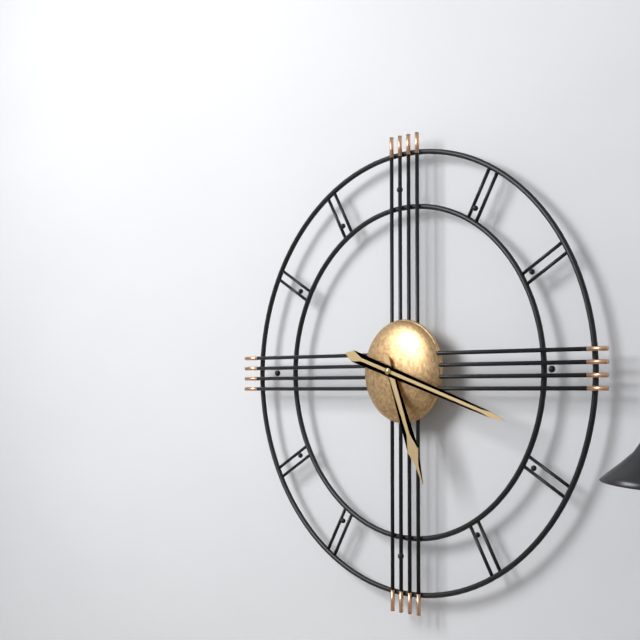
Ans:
5 h 18 min
